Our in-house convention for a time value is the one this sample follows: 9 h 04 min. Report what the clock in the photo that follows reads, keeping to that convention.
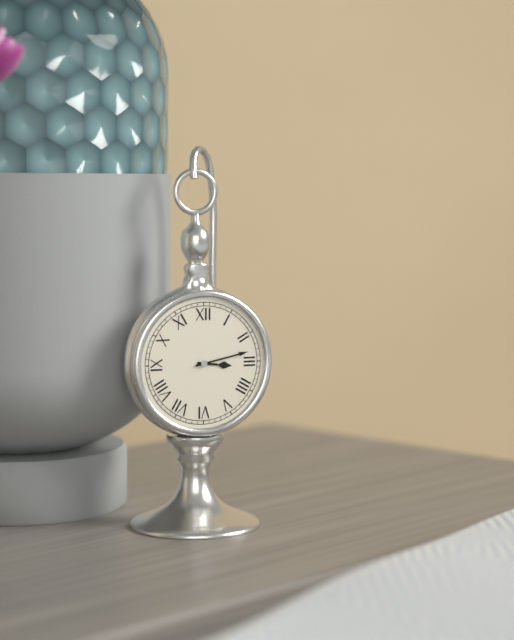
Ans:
3 h 13 min
